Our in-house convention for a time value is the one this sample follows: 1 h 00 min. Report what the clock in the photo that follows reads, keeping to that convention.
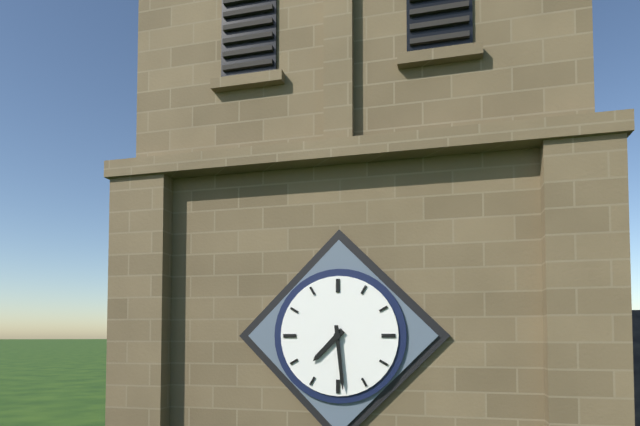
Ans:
7 h 29 min
